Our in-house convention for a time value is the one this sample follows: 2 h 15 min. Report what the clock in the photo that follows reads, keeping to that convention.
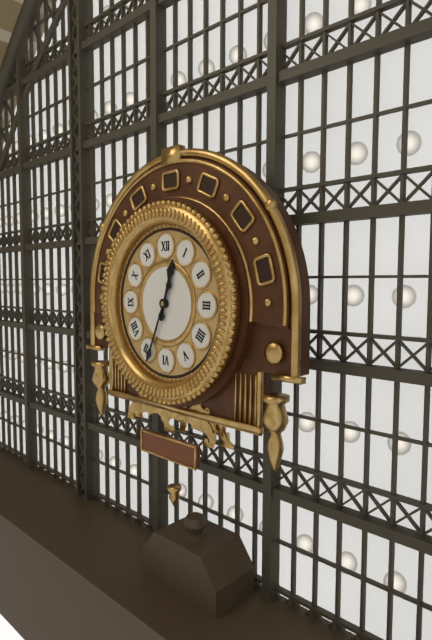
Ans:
12 h 34 min
